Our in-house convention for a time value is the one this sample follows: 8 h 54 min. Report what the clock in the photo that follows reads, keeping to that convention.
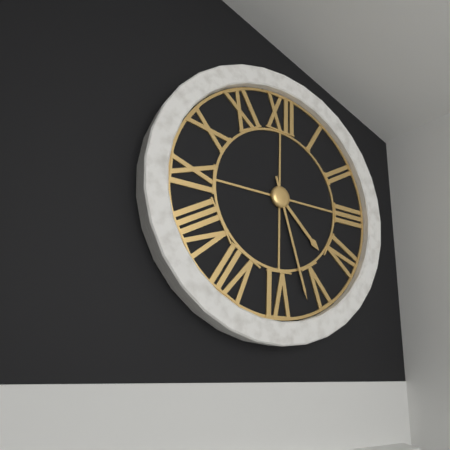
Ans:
4 h 27 min
